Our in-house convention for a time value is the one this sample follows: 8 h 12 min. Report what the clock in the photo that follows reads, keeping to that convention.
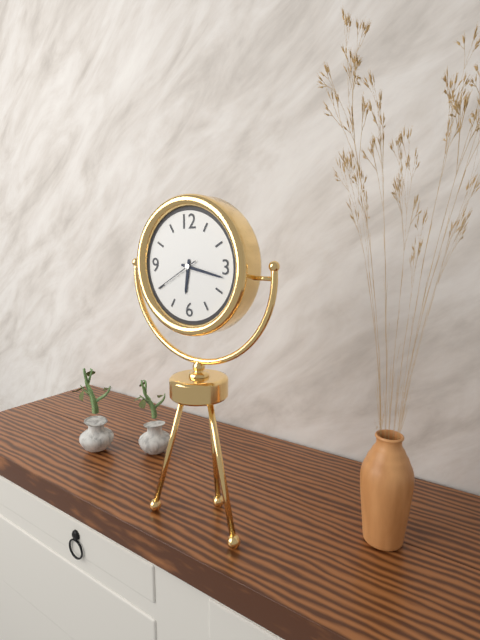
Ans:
6 h 17 min
